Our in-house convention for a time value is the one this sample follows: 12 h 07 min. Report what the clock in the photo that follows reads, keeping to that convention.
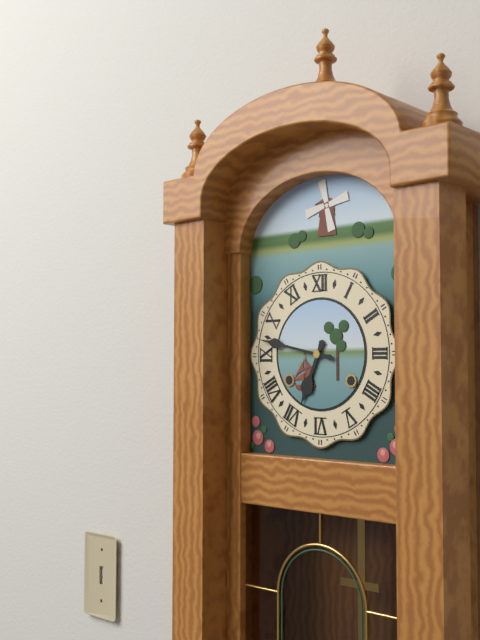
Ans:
6 h 47 min
